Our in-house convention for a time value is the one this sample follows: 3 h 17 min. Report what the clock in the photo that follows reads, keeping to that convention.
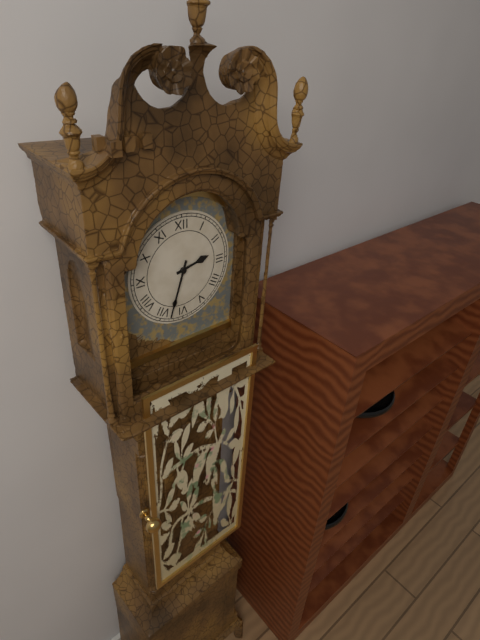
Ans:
2 h 33 min
